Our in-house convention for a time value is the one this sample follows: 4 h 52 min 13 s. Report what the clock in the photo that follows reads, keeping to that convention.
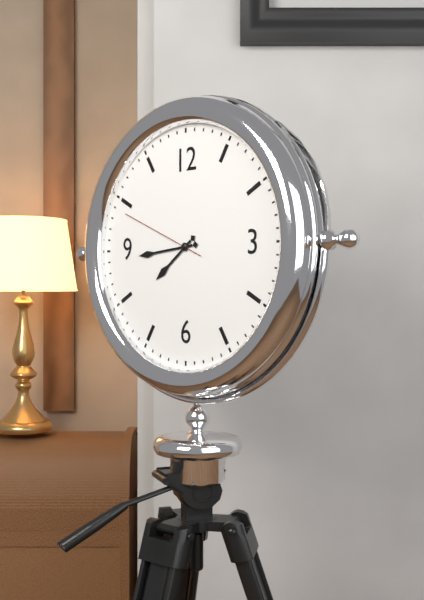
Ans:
7 h 44 min 49 s
